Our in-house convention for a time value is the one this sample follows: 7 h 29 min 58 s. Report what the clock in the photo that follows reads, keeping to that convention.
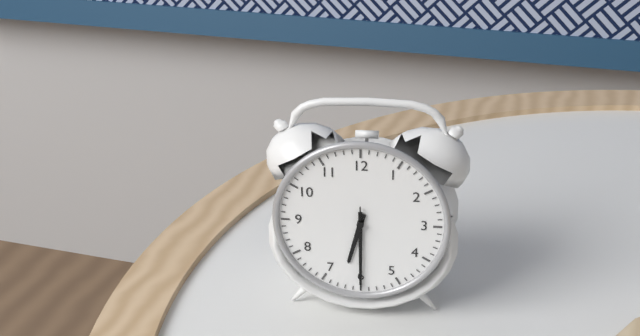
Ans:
6 h 30 min 30 s
